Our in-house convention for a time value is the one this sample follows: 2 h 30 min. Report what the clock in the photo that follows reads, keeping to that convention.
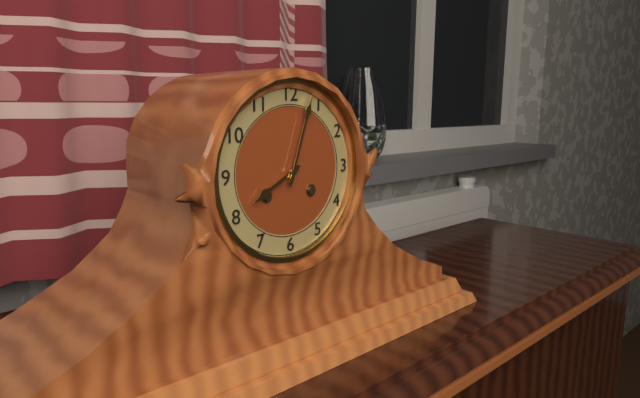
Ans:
8 h 03 min
